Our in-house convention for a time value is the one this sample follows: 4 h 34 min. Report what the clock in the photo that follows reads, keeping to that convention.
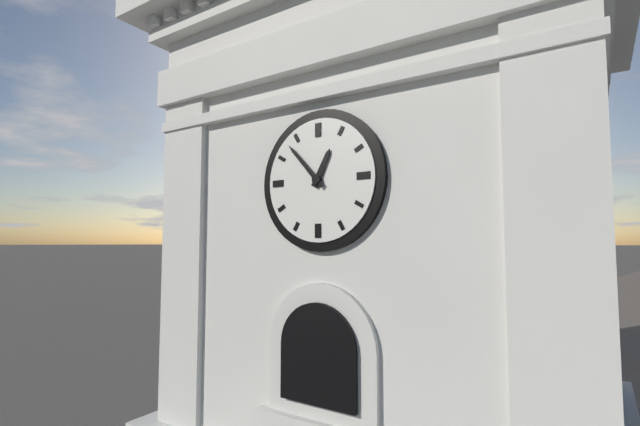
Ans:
12 h 53 min
